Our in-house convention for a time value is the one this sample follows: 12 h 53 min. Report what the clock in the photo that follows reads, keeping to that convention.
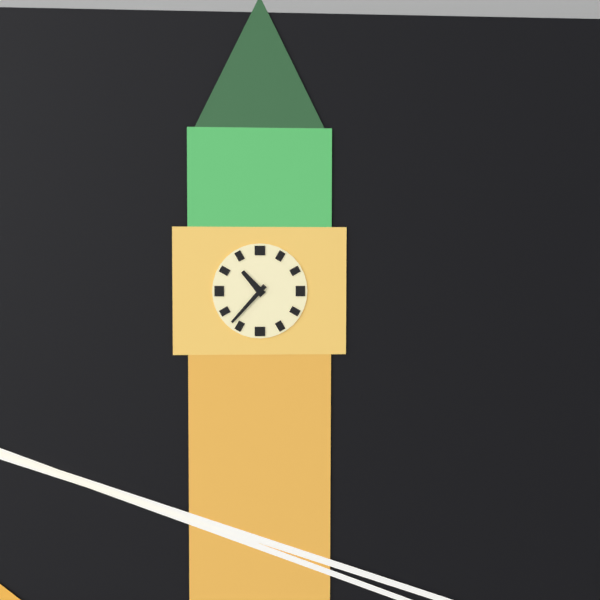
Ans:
10 h 37 min
